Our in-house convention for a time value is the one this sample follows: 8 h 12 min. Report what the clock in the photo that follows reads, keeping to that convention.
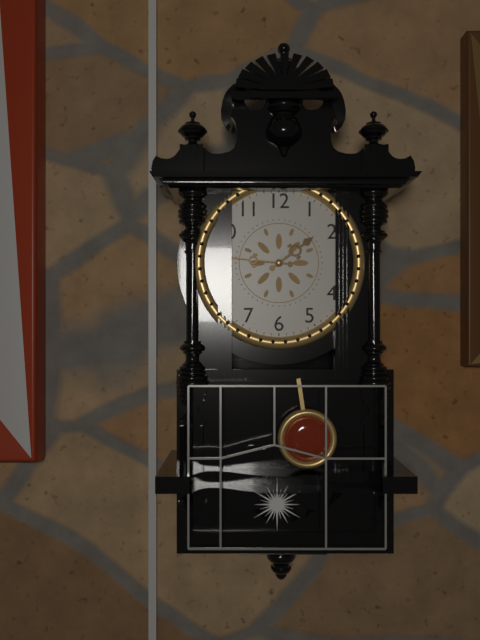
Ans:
1 h 46 min
